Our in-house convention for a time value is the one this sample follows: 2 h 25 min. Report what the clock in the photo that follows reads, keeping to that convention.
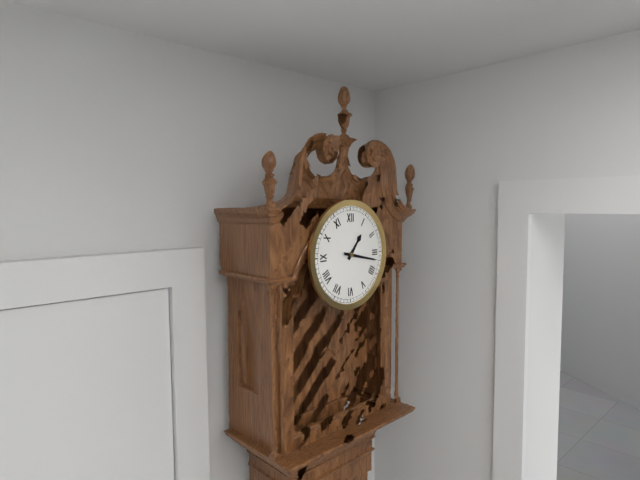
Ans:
1 h 17 min
